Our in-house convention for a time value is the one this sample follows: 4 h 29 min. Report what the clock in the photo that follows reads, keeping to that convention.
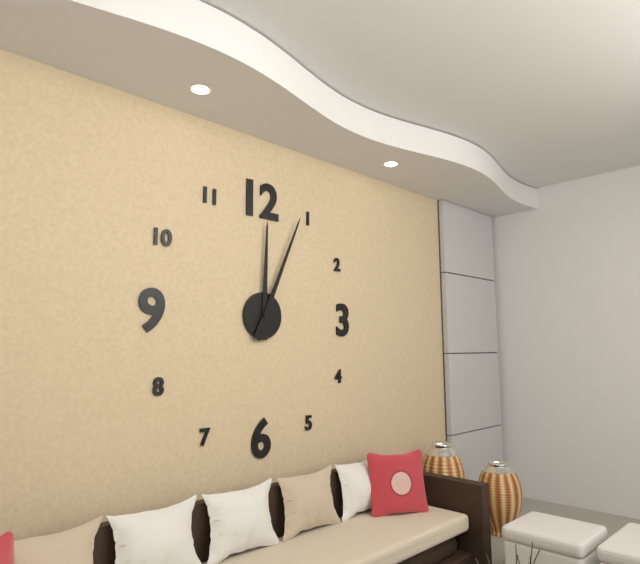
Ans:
12 h 04 min
